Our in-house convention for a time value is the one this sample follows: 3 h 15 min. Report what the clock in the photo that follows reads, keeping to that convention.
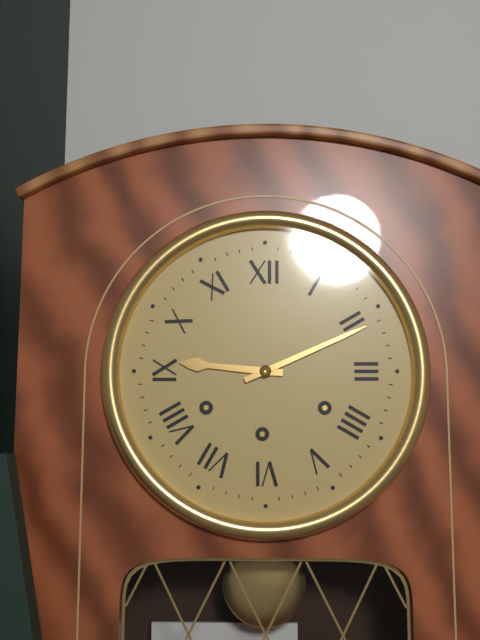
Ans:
9 h 11 min
